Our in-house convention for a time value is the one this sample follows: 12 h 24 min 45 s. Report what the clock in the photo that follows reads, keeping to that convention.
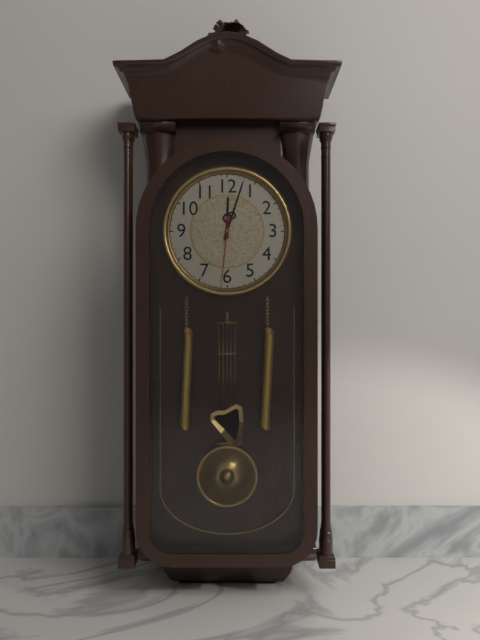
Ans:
12 h 03 min 31 s
